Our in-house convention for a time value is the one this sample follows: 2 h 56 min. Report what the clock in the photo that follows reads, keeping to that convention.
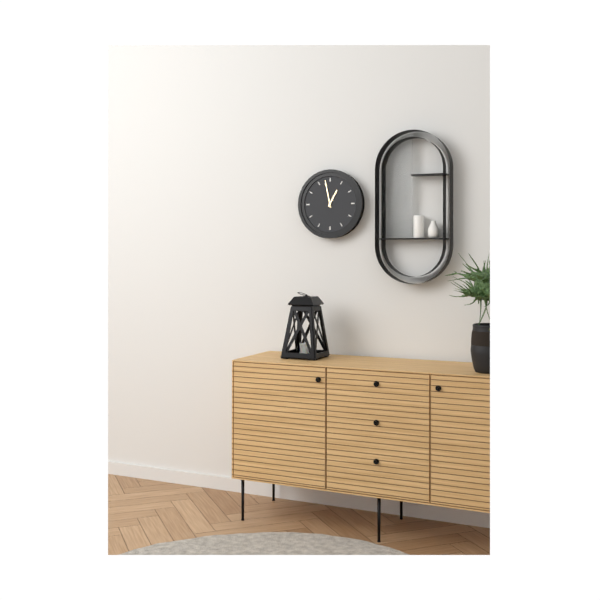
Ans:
12 h 58 min
